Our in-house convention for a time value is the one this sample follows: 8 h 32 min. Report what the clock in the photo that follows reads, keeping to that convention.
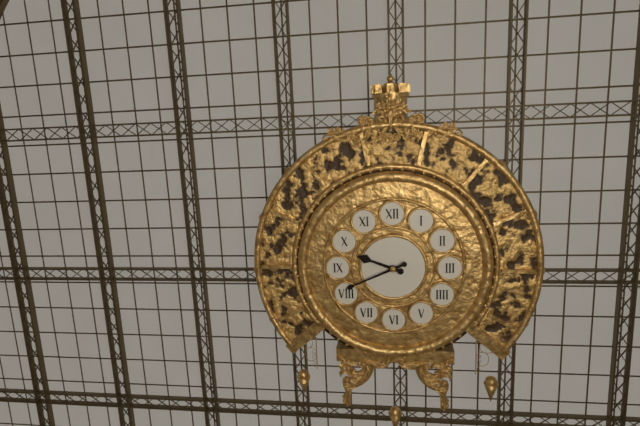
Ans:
9 h 41 min
